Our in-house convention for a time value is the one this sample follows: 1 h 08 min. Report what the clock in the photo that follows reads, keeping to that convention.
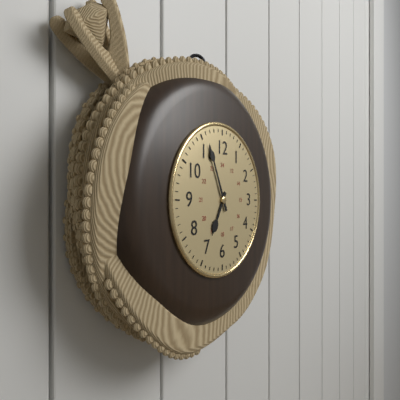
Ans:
6 h 56 min
